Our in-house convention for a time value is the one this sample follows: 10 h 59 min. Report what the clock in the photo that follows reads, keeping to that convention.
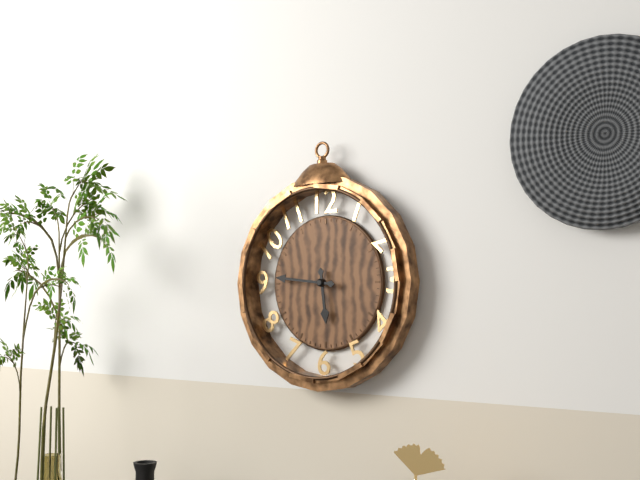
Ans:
5 h 46 min
